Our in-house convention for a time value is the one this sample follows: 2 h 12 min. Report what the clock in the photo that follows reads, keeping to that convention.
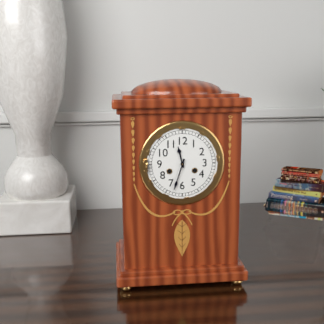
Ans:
11 h 33 min
